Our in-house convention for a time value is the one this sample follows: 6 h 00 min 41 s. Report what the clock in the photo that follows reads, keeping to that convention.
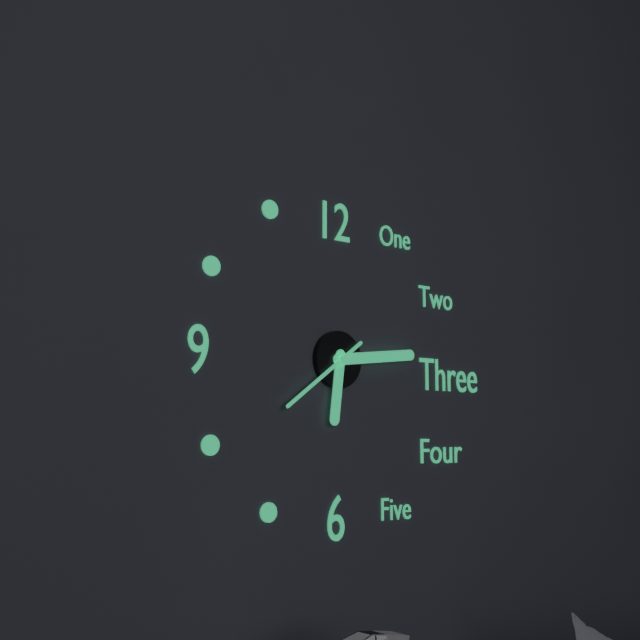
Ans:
6 h 14 min 39 s
